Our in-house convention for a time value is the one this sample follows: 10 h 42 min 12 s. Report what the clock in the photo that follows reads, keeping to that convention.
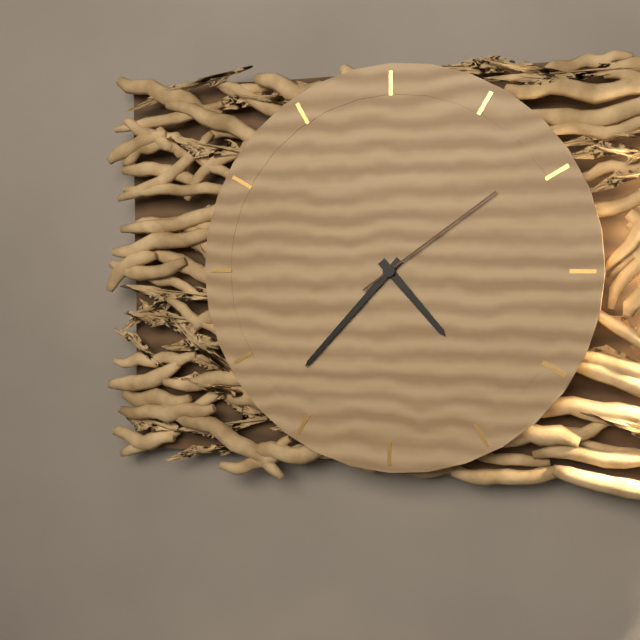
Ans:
4 h 37 min 09 s
